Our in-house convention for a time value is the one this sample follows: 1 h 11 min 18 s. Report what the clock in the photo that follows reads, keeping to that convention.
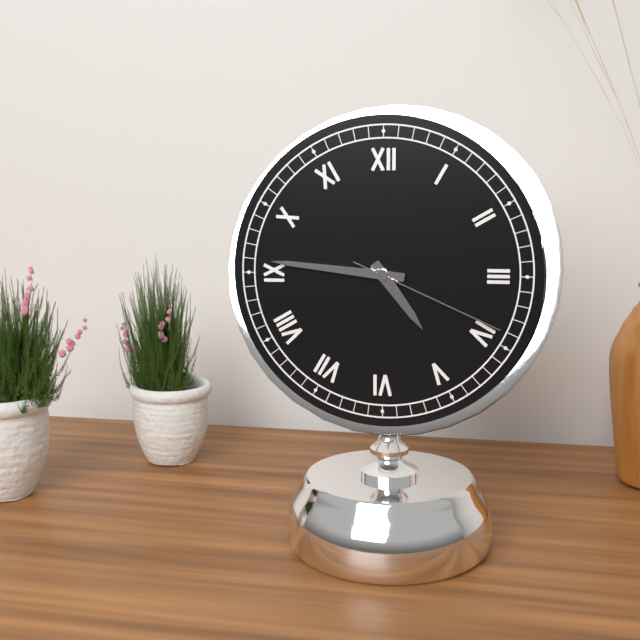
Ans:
4 h 46 min 19 s
